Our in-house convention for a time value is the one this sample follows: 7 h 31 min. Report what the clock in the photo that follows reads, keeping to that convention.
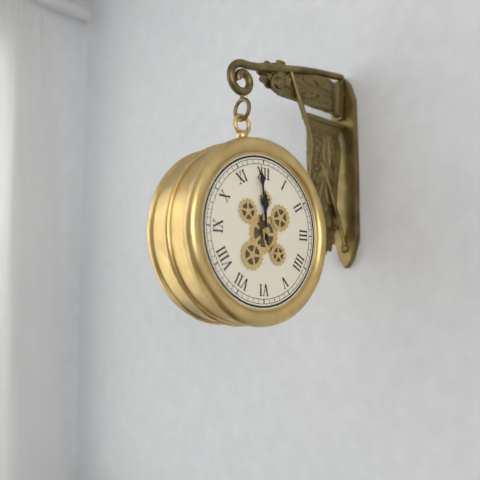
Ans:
11 h 59 min
